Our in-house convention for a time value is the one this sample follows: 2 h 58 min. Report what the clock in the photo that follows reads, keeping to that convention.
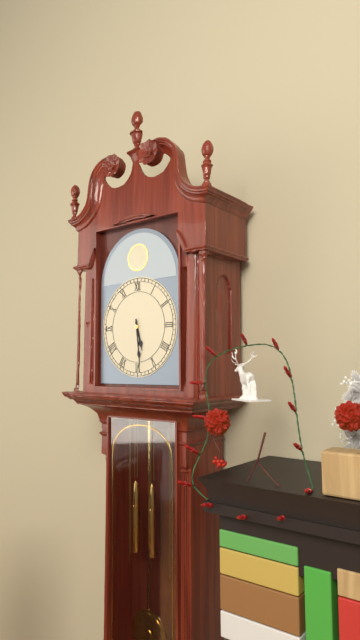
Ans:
5 h 29 min
